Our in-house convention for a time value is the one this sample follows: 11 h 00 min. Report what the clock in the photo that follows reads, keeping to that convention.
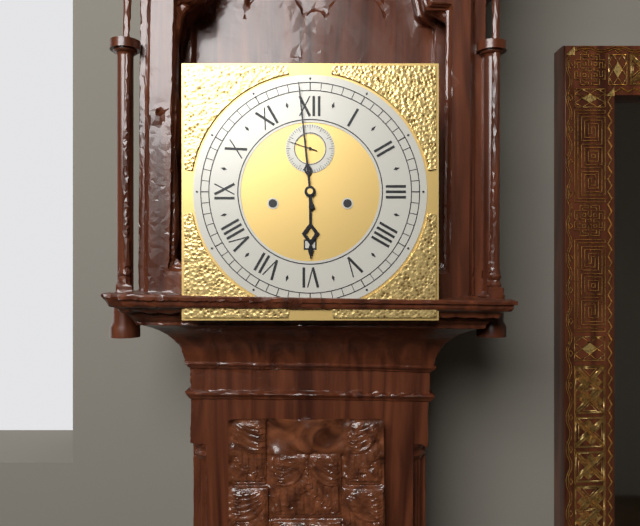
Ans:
5 h 59 min
